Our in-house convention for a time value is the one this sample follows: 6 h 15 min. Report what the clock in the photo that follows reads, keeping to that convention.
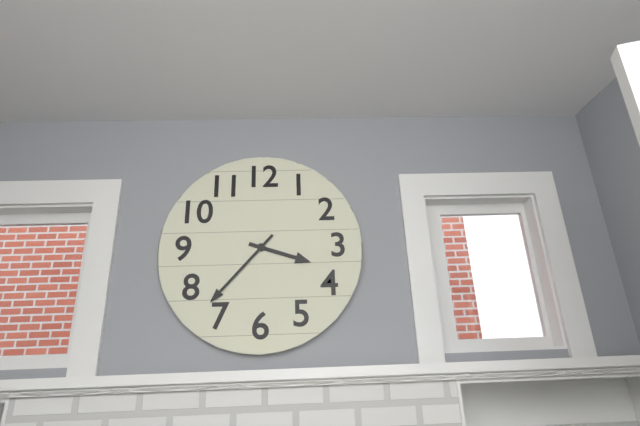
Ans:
3 h 37 min
